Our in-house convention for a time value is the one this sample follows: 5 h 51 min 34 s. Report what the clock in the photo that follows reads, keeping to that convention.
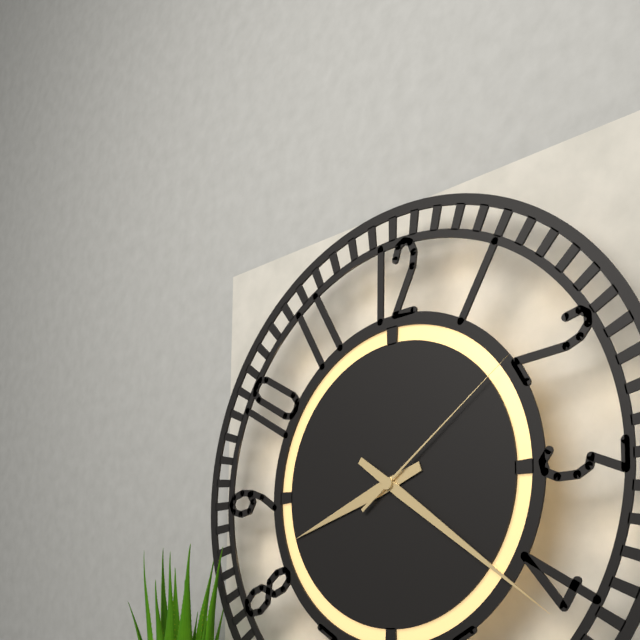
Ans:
8 h 21 min 09 s
